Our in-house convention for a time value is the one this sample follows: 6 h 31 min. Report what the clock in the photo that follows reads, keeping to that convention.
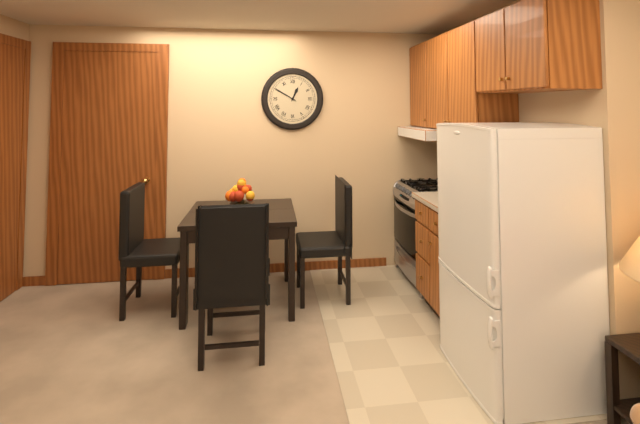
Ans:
12 h 50 min
